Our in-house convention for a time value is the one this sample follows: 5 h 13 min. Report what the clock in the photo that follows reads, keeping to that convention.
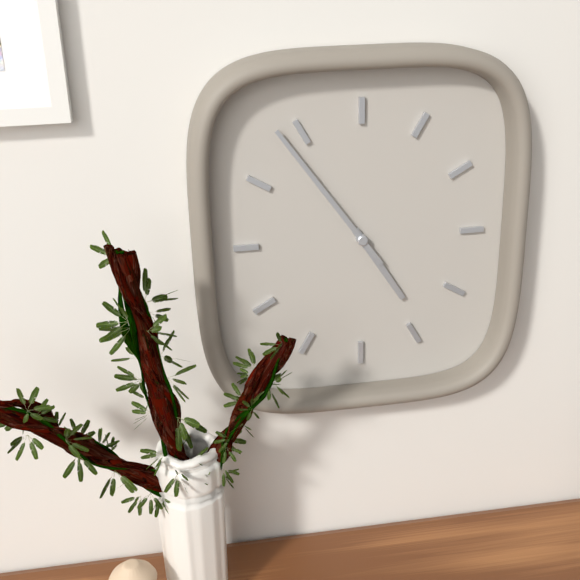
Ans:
4 h 54 min
